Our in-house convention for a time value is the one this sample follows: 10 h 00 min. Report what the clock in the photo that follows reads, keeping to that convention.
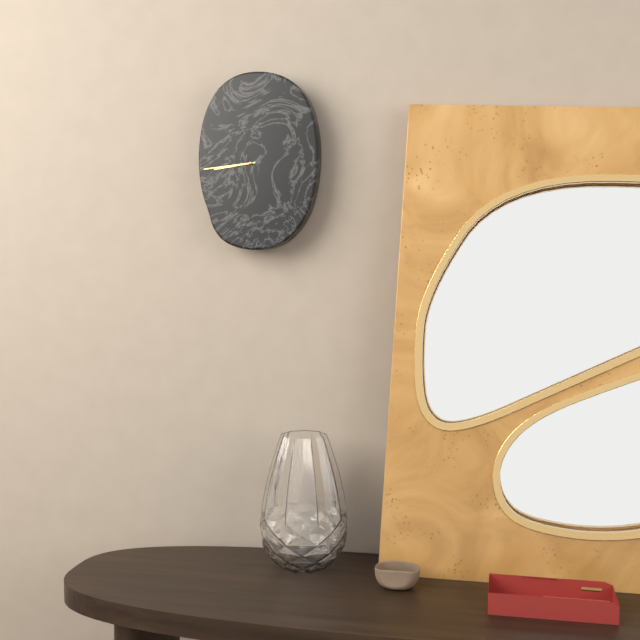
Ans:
8 h 44 min
